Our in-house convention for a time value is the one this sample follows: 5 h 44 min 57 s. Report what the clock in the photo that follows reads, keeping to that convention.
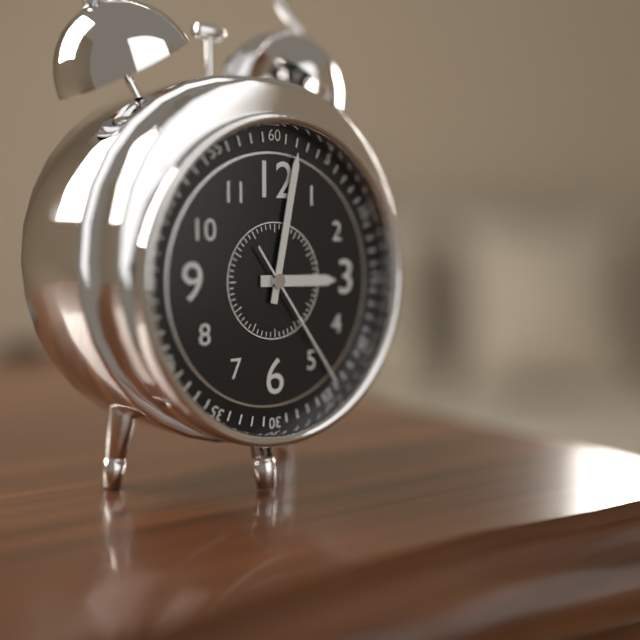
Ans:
3 h 02 min 24 s
